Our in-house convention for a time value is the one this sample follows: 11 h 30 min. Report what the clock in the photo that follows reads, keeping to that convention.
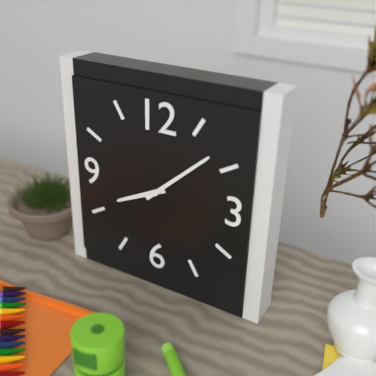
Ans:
8 h 08 min
